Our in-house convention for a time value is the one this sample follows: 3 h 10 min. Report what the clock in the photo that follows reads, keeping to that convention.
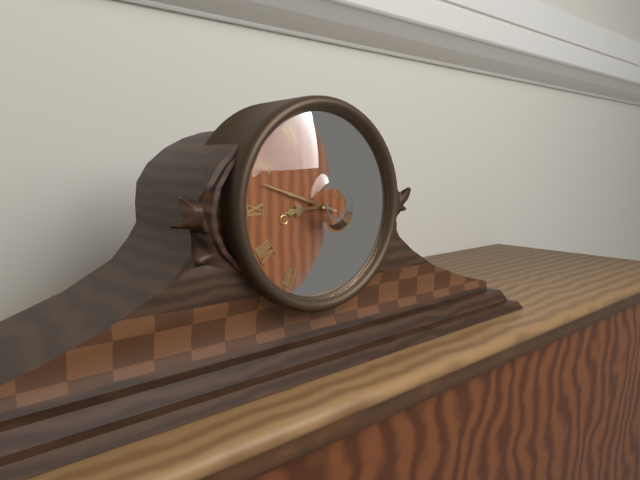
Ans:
8 h 48 min
